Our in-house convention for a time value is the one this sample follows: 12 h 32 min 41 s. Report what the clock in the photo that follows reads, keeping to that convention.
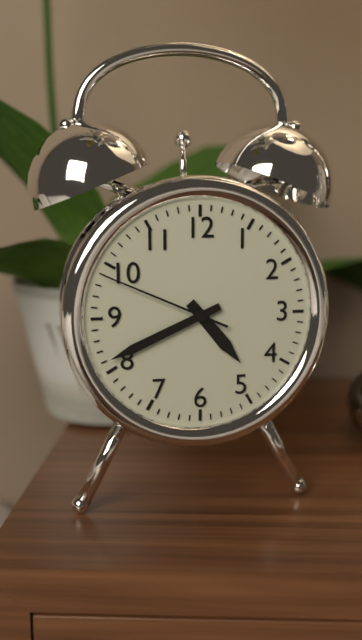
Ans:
4 h 41 min 49 s
